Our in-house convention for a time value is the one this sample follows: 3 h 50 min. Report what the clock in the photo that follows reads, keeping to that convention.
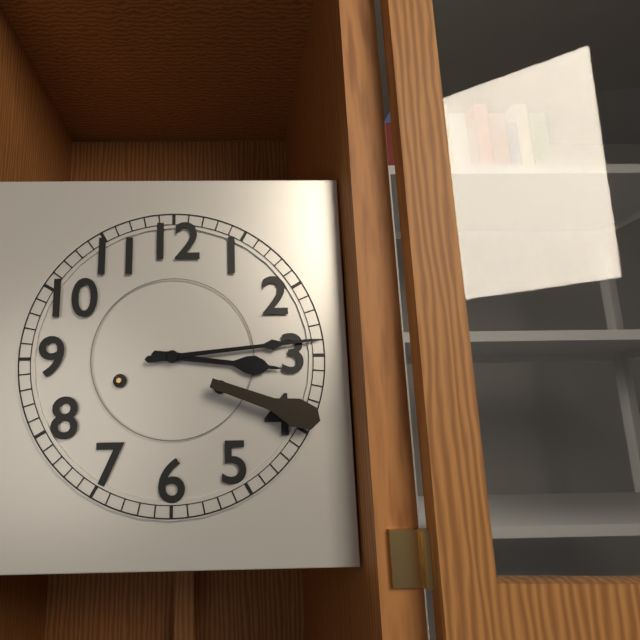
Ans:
3 h 14 min
